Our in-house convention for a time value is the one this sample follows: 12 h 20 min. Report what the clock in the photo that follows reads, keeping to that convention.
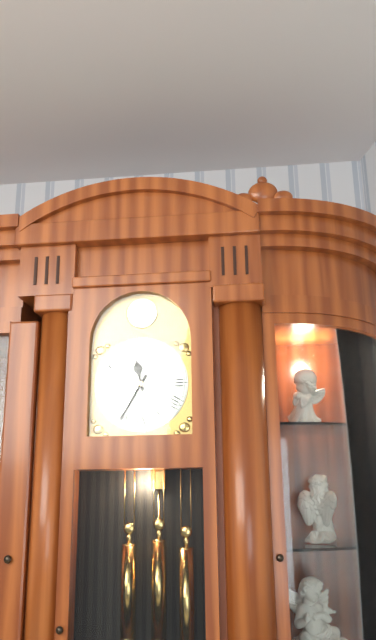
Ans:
11 h 35 min
